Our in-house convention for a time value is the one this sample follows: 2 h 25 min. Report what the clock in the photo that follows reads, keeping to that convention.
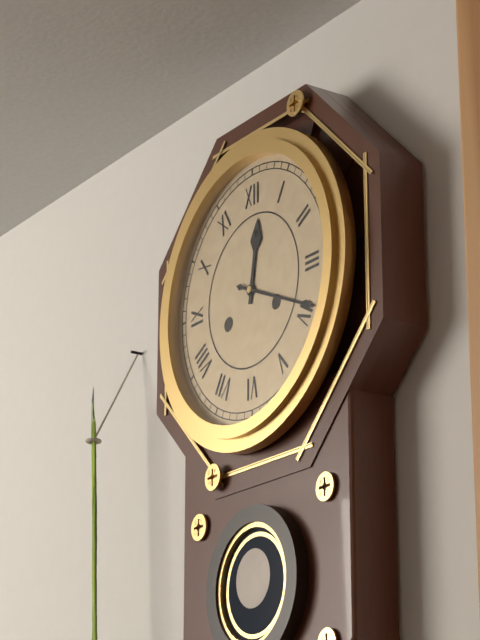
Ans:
12 h 19 min
